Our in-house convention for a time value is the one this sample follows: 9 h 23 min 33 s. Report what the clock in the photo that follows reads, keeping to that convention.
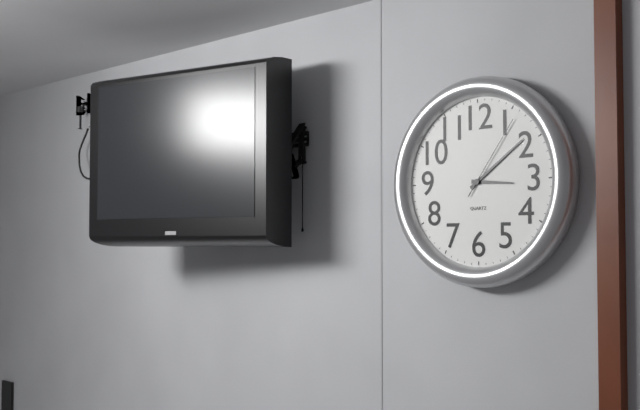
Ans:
3 h 09 min 06 s
